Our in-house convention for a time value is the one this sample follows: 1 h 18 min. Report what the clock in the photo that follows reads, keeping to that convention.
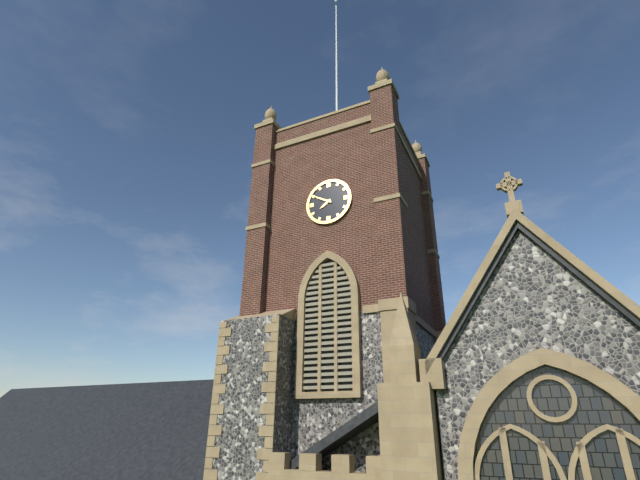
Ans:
7 h 50 min
